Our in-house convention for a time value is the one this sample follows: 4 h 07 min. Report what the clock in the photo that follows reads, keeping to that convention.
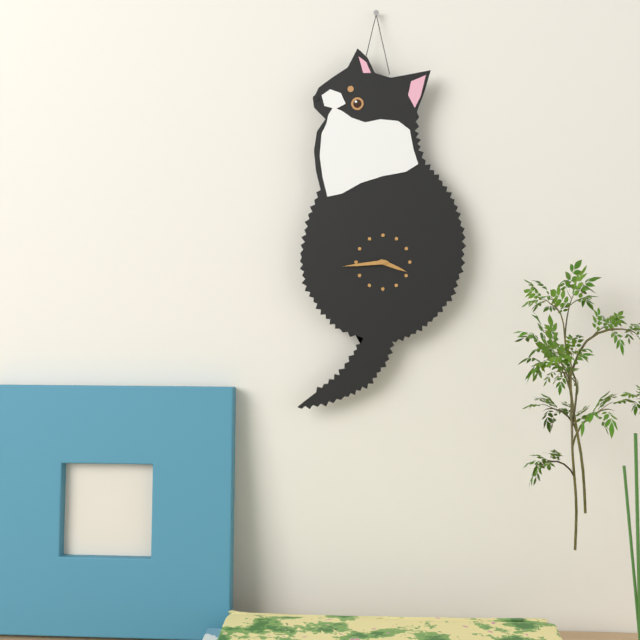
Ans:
3 h 44 min
